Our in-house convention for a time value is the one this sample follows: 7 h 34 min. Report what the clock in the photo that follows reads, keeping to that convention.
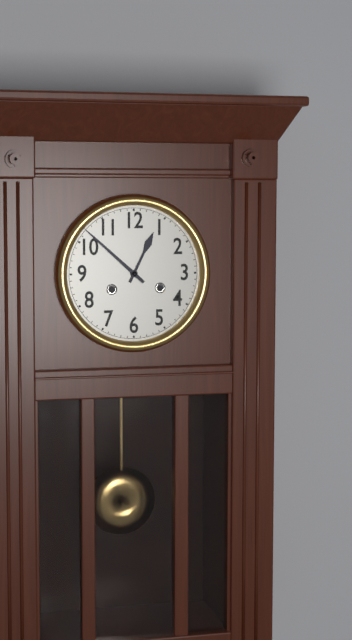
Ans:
12 h 52 min
